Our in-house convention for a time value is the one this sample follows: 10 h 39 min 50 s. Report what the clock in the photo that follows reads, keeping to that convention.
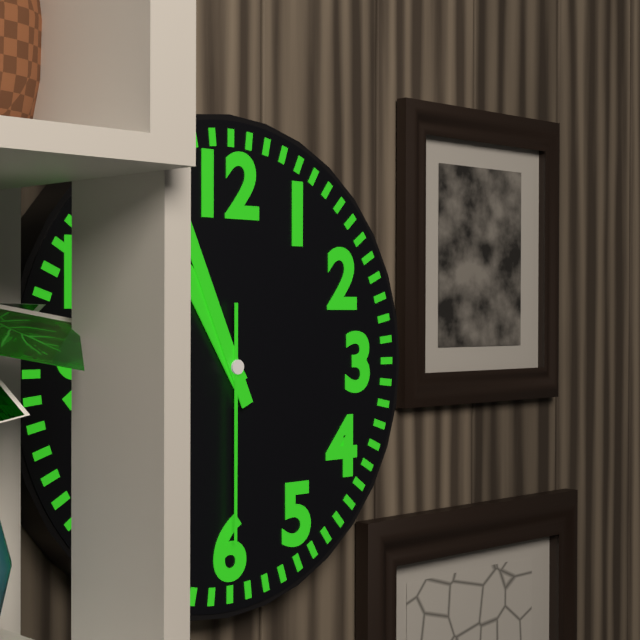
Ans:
10 h 56 min 30 s
